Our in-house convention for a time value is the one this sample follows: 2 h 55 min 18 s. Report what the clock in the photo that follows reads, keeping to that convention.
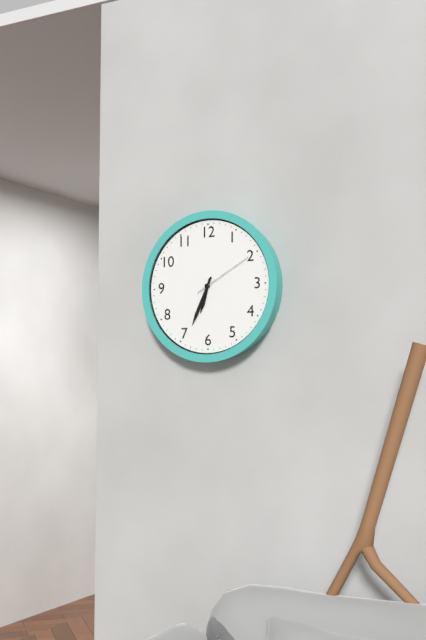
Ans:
6 h 34 min 10 s
